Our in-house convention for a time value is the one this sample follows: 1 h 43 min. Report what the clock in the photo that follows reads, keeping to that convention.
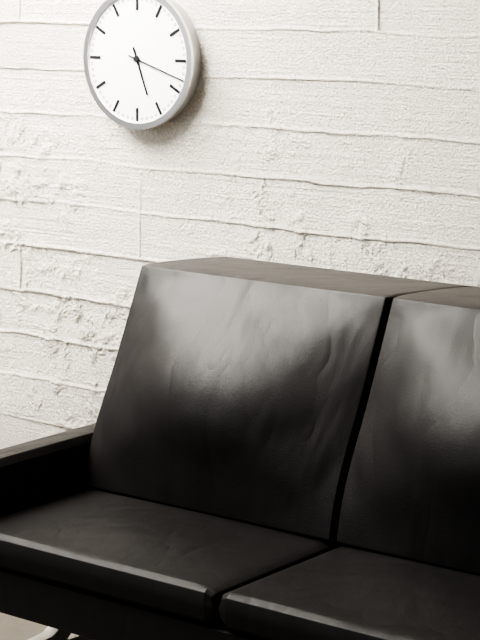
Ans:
5 h 18 min
